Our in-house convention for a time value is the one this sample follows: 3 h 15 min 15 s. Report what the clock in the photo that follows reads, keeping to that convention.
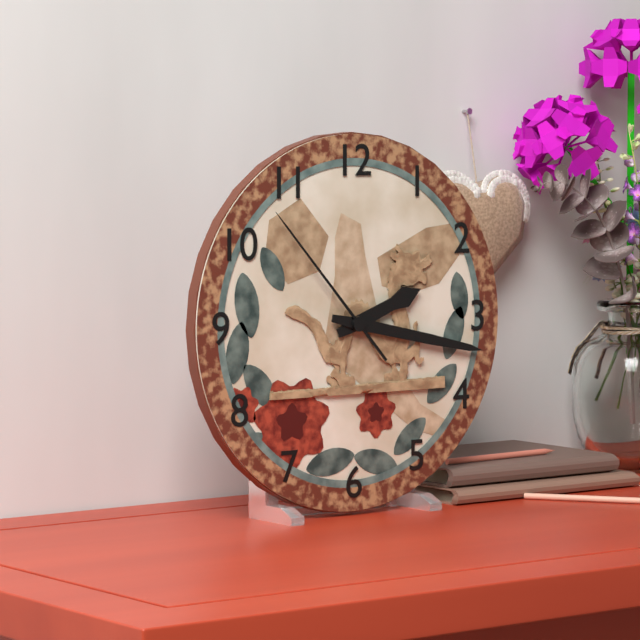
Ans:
2 h 17 min 53 s
